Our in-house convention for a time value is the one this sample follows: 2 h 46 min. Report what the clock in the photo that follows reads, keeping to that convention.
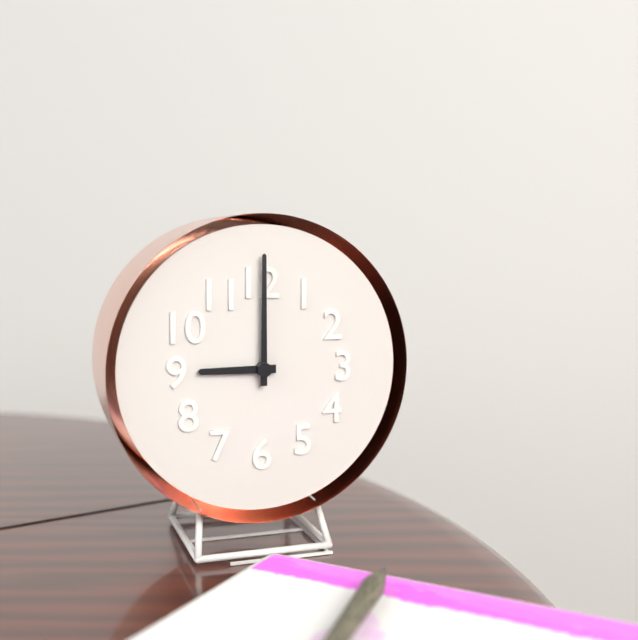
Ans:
9 h 00 min
